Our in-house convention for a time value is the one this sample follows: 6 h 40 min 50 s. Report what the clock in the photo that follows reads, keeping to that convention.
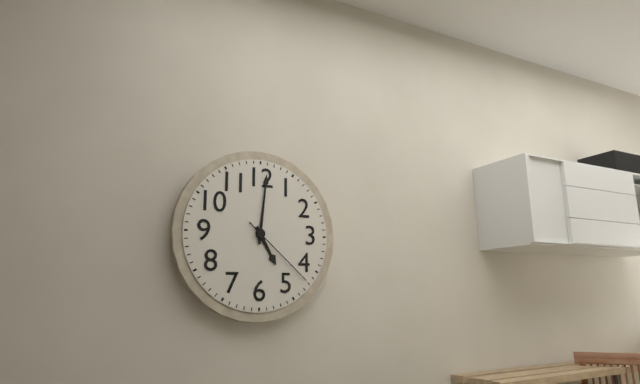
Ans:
5 h 01 min 22 s
